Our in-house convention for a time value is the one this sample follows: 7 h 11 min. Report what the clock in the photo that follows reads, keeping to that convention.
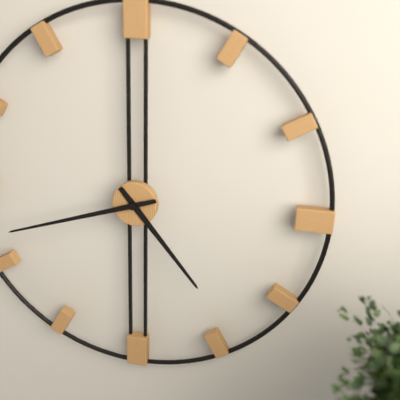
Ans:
4 h 42 min
